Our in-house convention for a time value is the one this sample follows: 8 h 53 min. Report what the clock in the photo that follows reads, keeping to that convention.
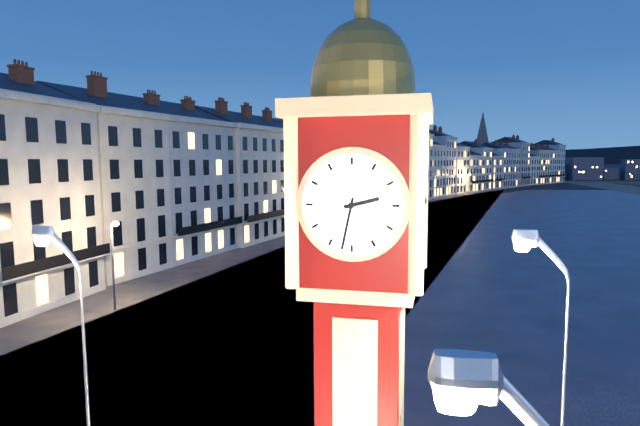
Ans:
2 h 32 min
